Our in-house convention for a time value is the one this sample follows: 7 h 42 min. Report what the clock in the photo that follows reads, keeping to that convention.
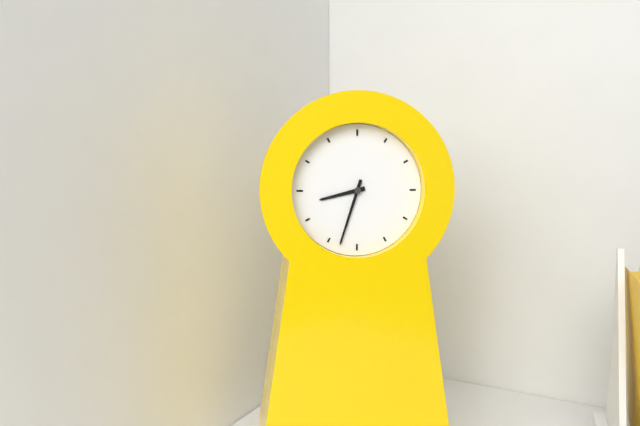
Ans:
8 h 33 min
